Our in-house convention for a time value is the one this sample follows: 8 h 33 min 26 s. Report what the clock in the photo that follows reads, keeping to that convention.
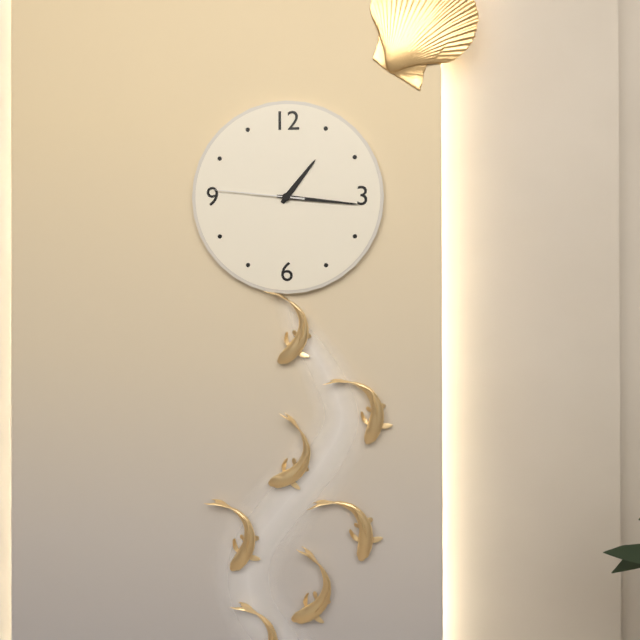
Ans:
1 h 16 min 46 s
